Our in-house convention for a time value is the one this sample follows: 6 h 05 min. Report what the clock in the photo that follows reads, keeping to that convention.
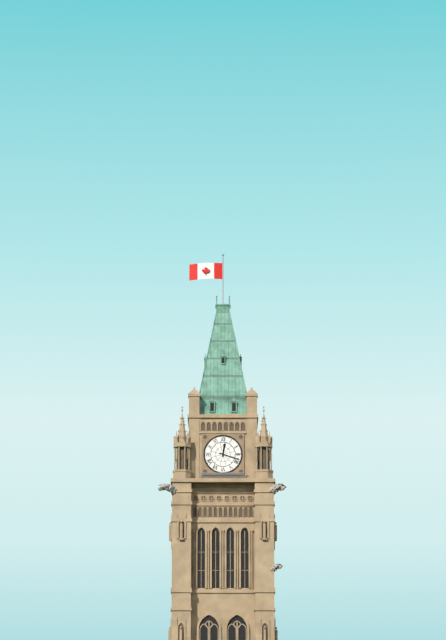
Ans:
12 h 18 min
